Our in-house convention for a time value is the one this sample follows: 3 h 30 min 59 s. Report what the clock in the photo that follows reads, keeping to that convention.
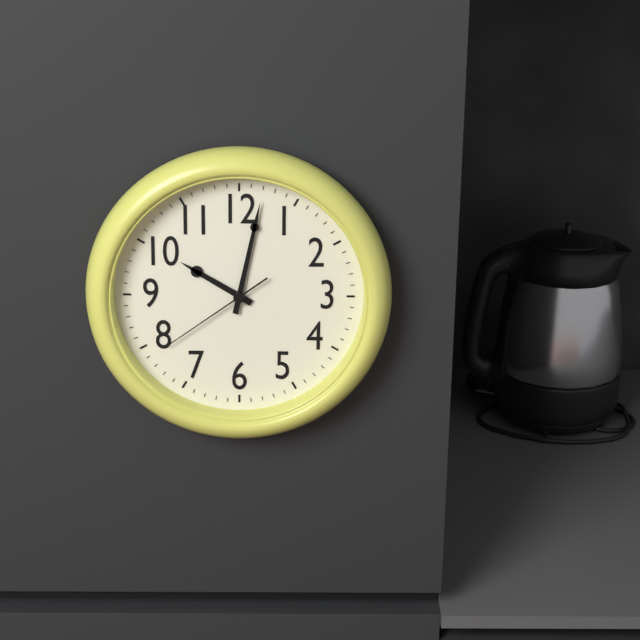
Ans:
10 h 02 min 39 s
